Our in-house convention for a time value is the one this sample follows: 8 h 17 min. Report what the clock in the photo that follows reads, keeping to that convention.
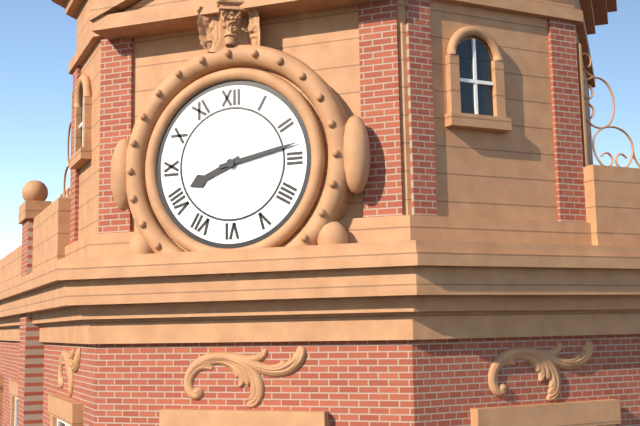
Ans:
8 h 13 min
